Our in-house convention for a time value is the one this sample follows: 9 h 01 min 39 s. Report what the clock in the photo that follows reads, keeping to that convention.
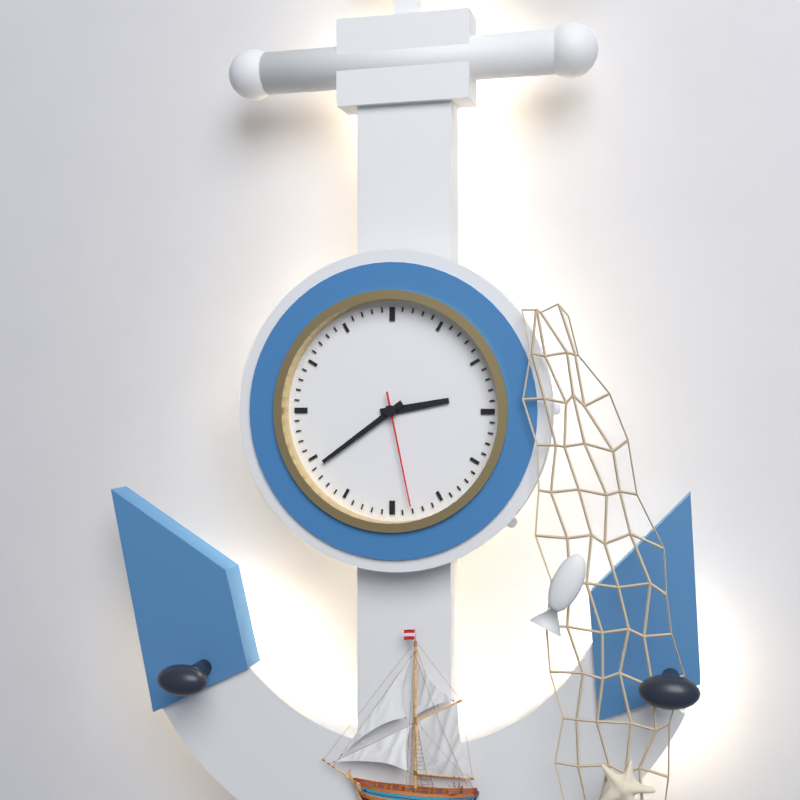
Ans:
2 h 39 min 28 s
